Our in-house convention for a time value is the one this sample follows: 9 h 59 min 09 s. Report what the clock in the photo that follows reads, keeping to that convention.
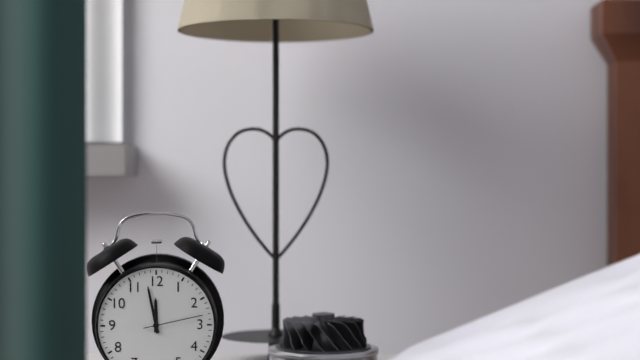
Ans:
11 h 58 min 13 s
